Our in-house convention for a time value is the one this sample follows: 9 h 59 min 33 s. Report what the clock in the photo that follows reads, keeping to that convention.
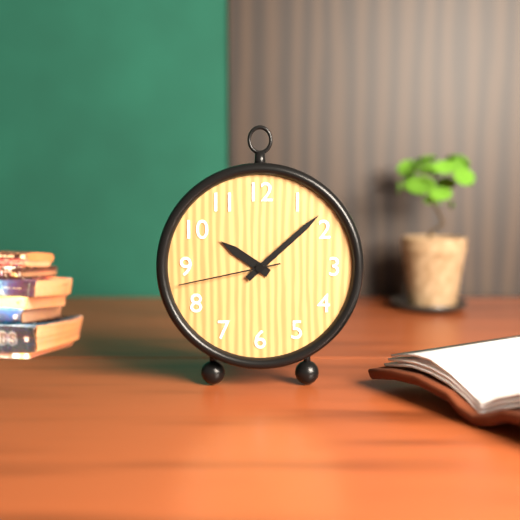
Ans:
10 h 08 min 43 s
